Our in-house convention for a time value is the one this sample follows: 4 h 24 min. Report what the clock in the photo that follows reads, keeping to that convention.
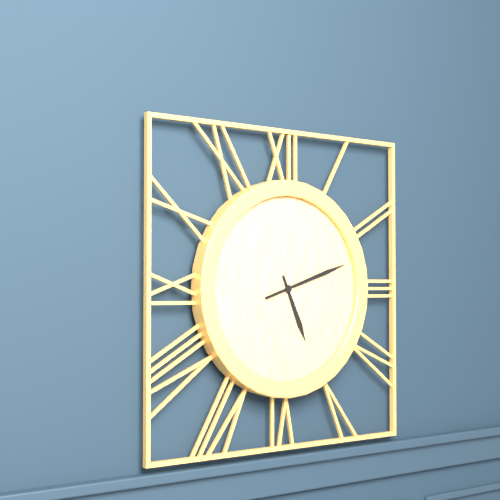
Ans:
5 h 12 min
